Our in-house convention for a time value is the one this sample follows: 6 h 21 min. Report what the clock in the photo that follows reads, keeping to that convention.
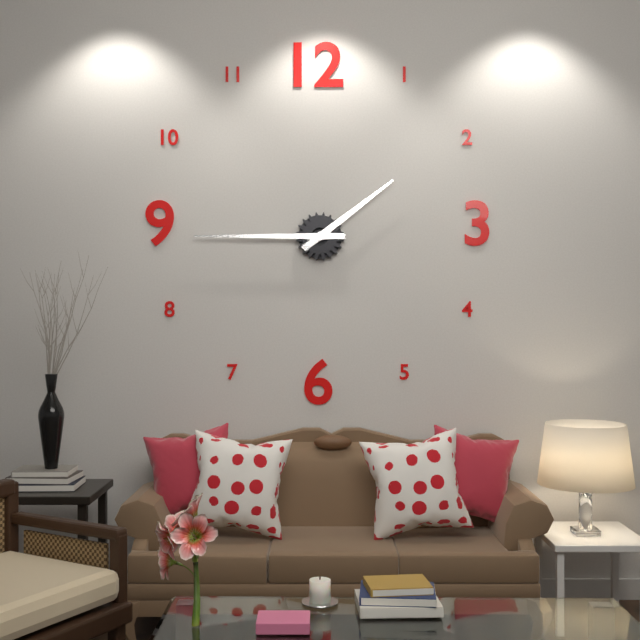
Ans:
1 h 45 min
